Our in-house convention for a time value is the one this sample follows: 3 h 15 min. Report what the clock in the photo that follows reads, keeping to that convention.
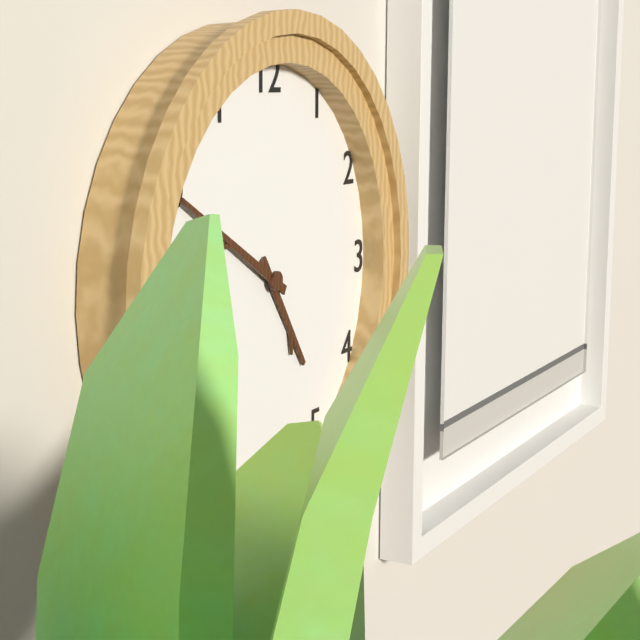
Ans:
4 h 50 min
